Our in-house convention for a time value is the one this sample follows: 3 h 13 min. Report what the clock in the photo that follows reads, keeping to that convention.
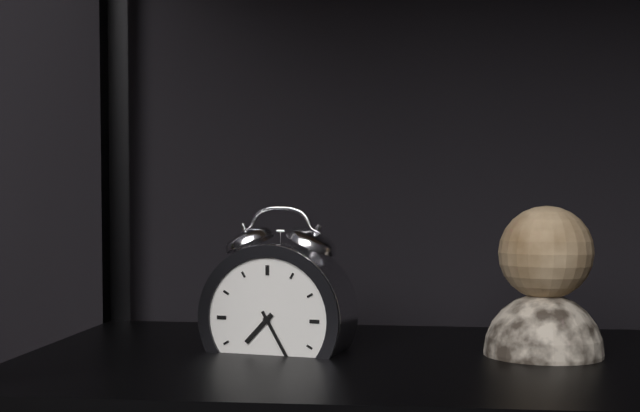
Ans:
7 h 25 min
